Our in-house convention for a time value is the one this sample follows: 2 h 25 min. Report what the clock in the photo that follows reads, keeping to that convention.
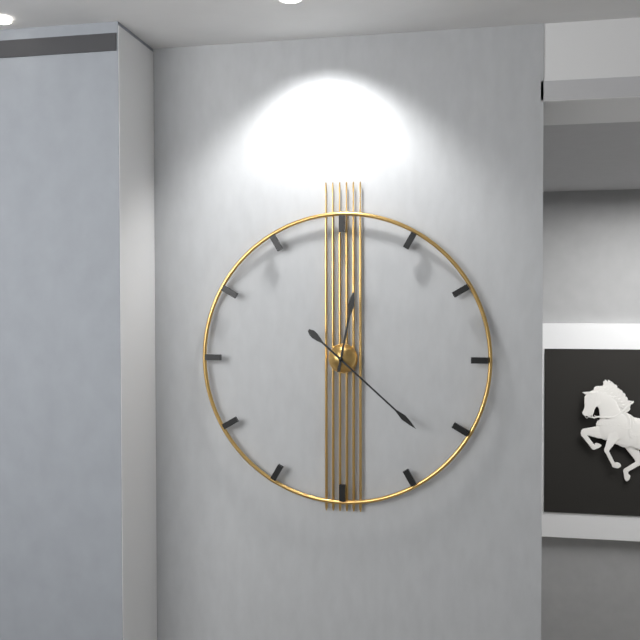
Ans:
12 h 22 min
